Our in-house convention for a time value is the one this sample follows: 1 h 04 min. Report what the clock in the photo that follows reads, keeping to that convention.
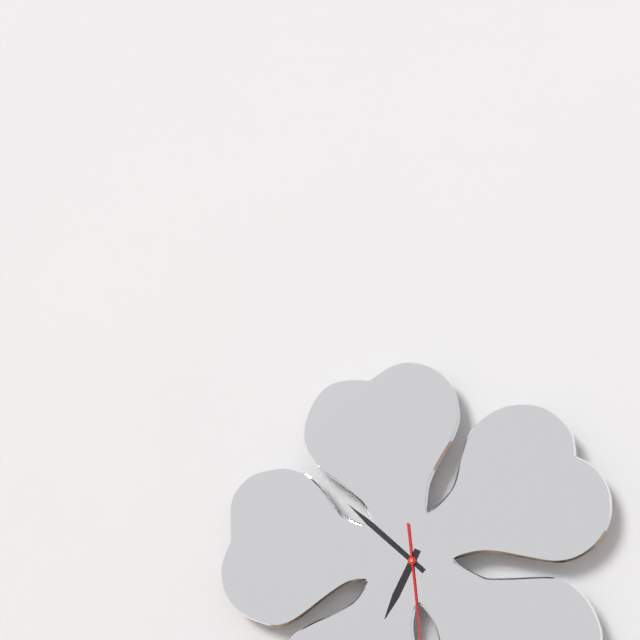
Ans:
6 h 52 min
